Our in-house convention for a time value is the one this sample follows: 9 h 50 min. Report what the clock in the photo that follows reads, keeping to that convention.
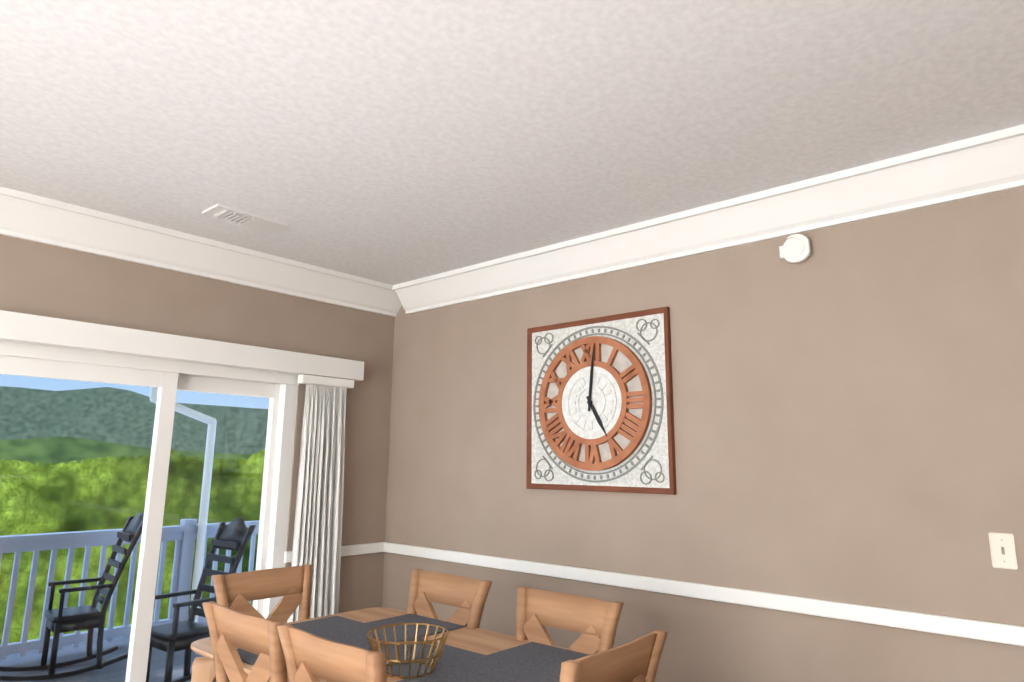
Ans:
5 h 01 min
